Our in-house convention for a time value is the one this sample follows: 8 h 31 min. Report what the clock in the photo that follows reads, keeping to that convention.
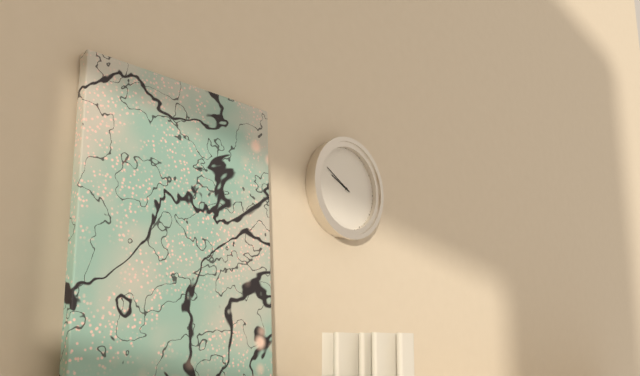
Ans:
9 h 50 min
